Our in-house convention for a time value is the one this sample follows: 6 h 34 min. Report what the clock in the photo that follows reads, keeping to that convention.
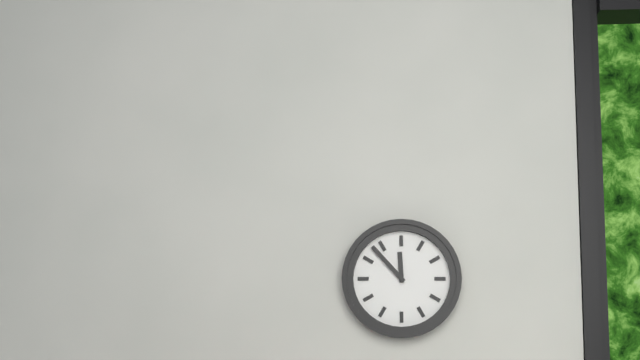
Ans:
11 h 53 min
